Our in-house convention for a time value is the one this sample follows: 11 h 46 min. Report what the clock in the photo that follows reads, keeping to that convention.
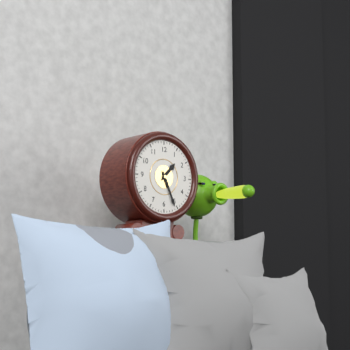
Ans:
1 h 26 min
